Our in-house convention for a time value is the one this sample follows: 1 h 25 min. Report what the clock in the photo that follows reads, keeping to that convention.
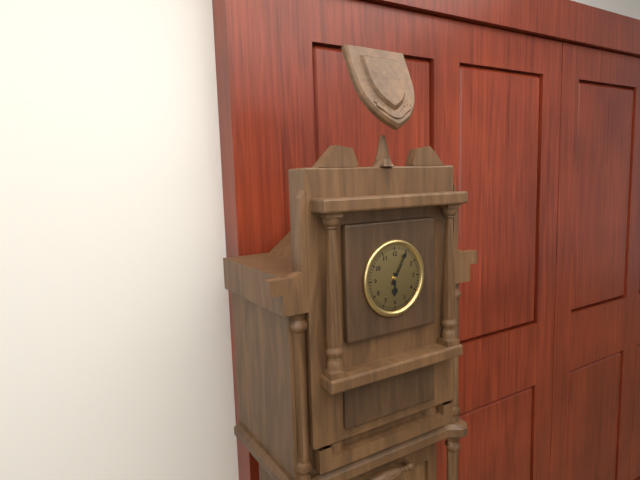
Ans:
6 h 05 min
